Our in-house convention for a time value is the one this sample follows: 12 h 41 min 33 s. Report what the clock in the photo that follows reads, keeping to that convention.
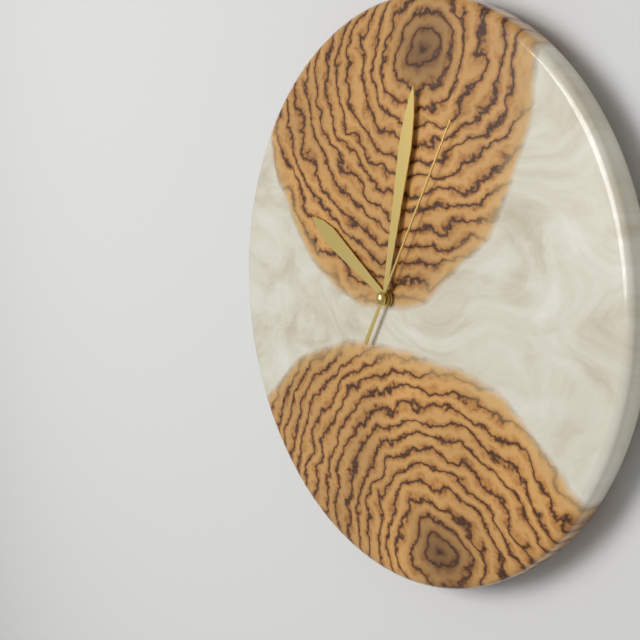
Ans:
10 h 02 min 05 s
